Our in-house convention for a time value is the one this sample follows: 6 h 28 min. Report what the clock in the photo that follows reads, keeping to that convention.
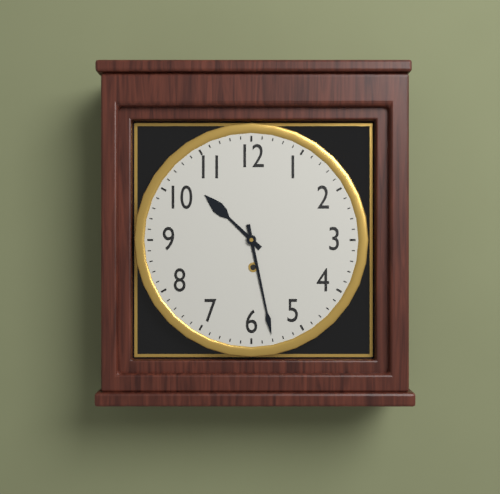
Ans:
10 h 28 min
